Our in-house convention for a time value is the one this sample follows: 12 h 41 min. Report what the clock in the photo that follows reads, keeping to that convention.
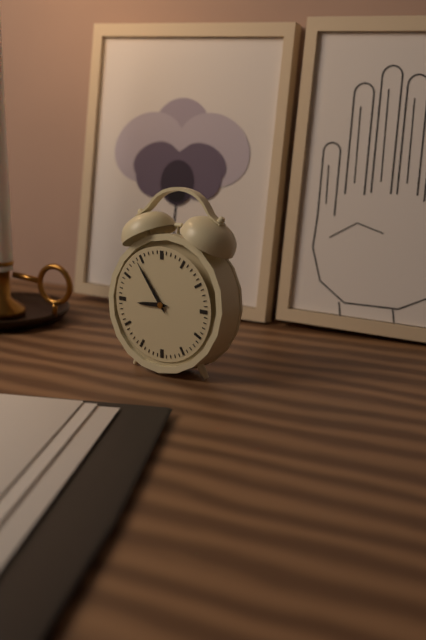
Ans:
8 h 54 min
